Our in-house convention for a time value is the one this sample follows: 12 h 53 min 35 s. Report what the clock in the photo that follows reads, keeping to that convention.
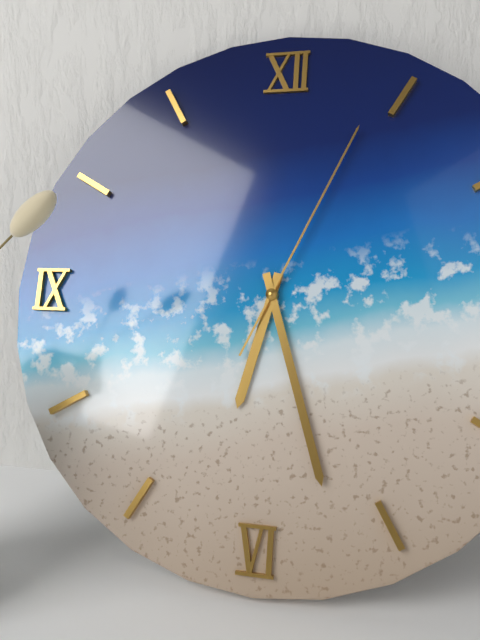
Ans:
6 h 27 min 04 s
